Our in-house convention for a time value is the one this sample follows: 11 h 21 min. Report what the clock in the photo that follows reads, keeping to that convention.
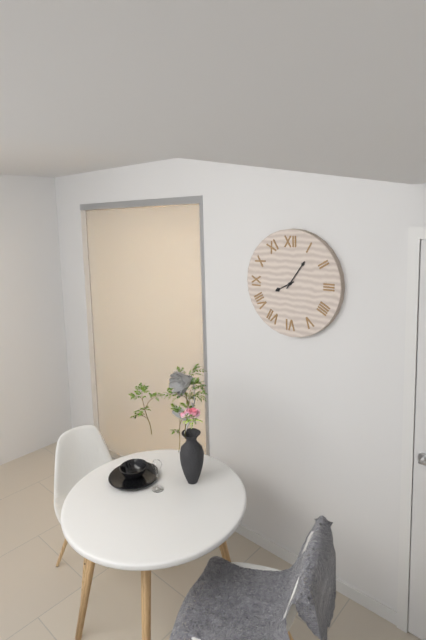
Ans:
8 h 06 min
